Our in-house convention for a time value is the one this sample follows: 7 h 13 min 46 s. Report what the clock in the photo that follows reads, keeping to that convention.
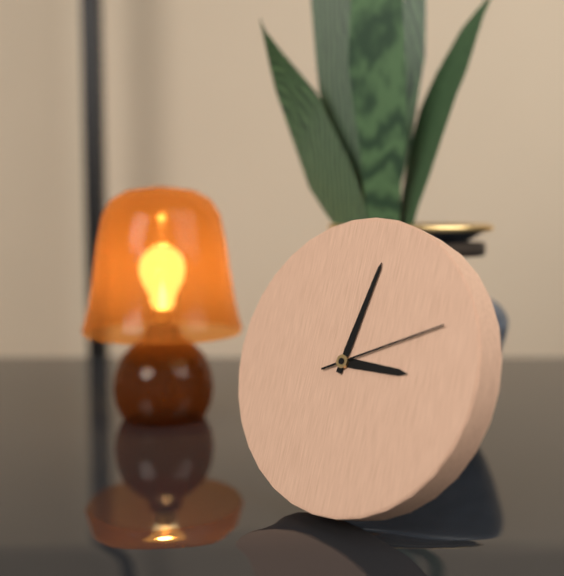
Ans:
3 h 02 min 11 s
